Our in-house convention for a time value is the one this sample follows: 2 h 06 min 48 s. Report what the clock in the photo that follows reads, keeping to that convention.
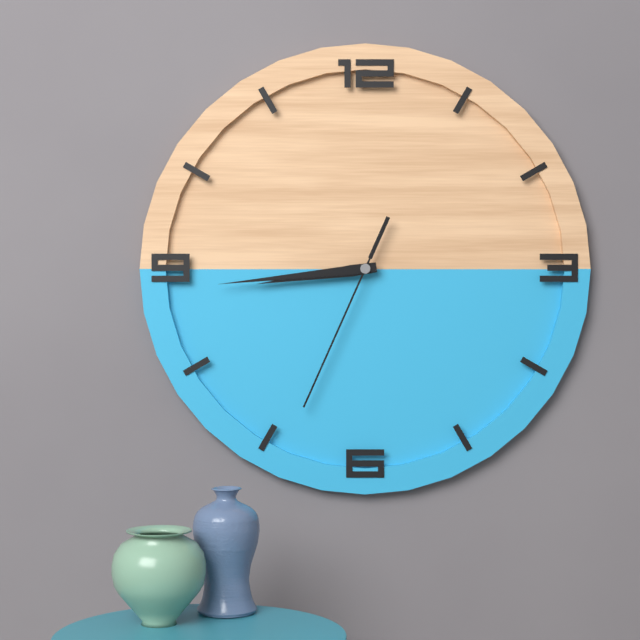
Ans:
8 h 44 min 34 s
